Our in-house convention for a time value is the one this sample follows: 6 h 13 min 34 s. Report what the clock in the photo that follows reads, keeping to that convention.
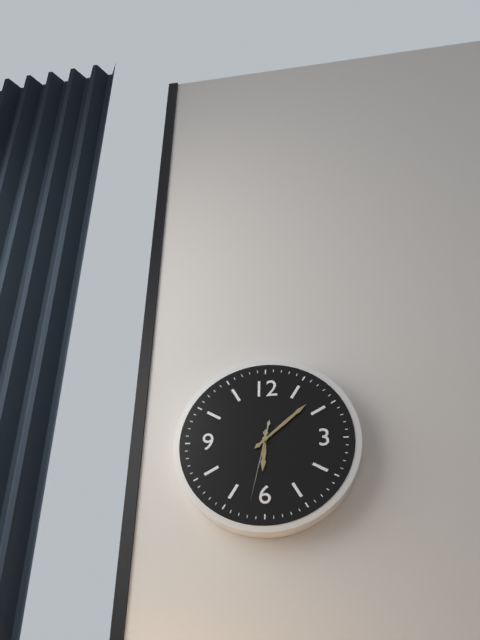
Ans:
6 h 08 min 32 s
